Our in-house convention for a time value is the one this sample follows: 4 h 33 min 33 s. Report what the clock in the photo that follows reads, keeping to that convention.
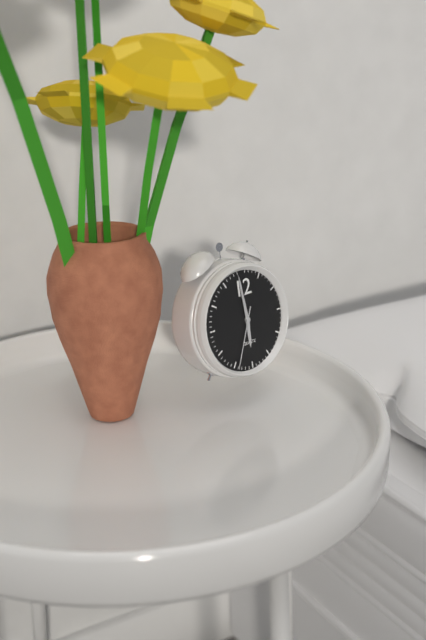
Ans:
5 h 59 min 34 s
